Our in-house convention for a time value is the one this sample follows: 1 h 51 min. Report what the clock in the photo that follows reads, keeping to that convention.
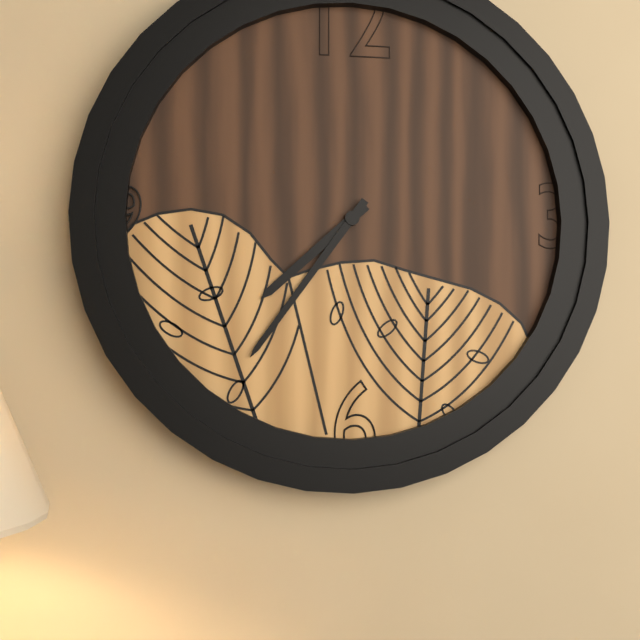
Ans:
7 h 36 min
